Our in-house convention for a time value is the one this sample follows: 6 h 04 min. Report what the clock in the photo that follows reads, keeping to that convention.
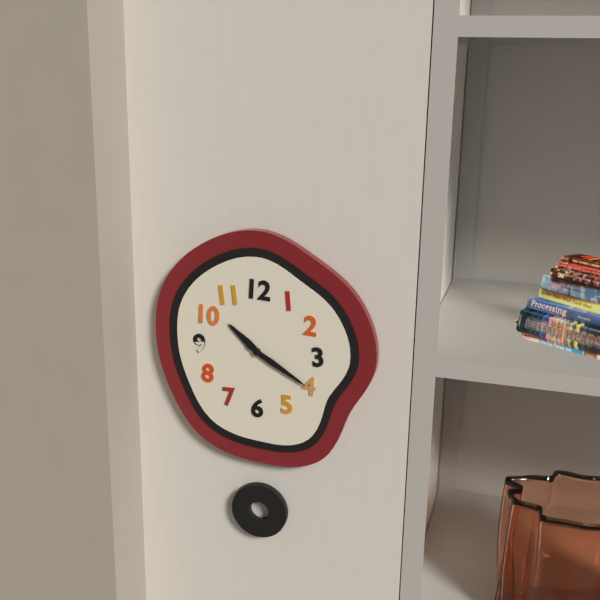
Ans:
10 h 20 min
